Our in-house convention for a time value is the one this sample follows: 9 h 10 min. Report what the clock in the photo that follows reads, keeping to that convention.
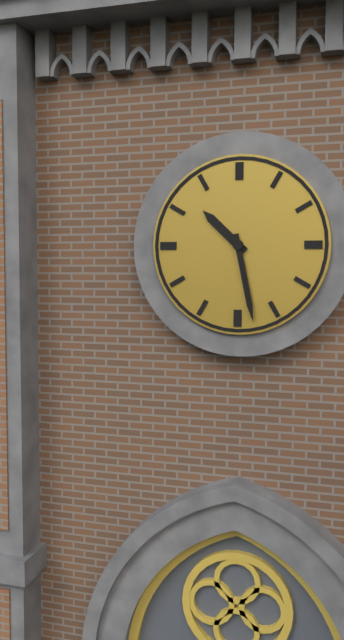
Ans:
10 h 28 min
